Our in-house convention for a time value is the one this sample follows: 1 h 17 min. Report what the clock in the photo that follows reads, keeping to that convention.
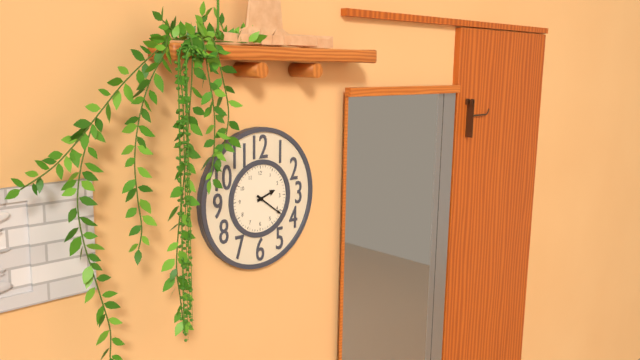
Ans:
2 h 21 min
